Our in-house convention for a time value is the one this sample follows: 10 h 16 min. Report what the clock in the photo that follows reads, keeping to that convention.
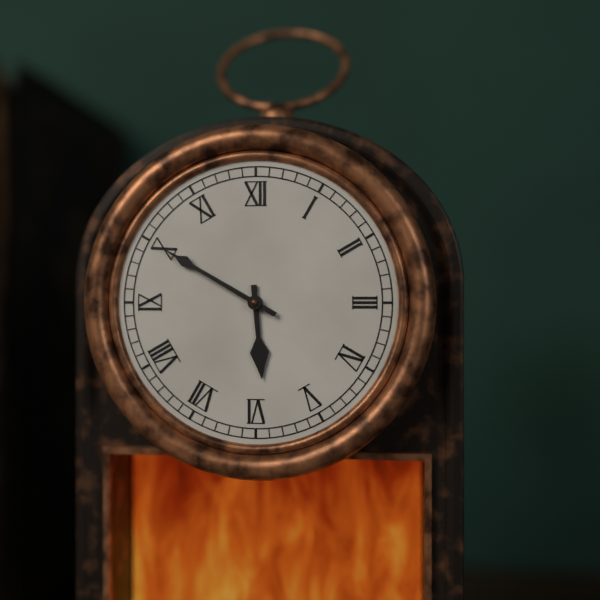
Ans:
5 h 50 min
